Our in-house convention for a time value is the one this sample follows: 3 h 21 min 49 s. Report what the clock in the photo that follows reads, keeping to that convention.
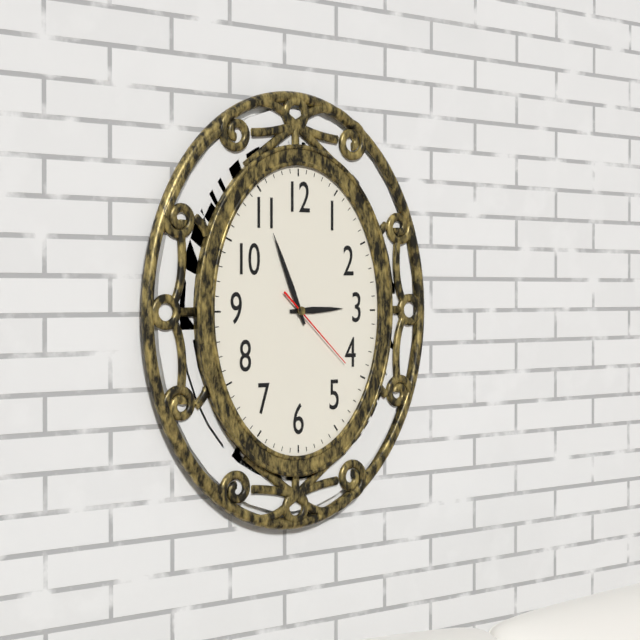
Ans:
2 h 56 min 22 s
